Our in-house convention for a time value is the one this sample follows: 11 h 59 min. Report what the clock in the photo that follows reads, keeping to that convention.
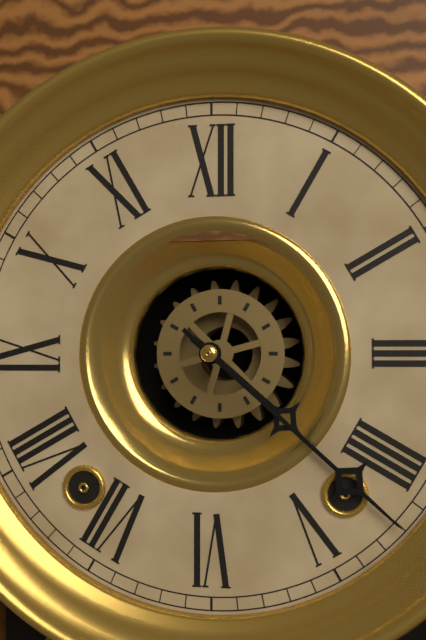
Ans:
4 h 22 min
